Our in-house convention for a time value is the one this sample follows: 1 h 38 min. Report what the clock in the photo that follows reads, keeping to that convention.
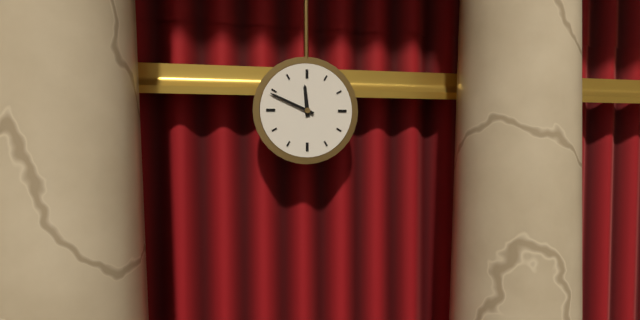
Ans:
11 h 49 min
